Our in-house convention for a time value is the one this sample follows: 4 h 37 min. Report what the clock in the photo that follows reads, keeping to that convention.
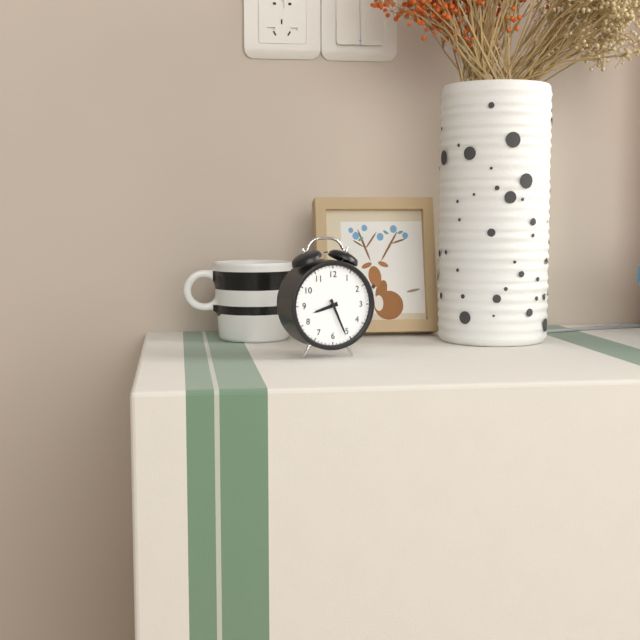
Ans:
8 h 26 min
